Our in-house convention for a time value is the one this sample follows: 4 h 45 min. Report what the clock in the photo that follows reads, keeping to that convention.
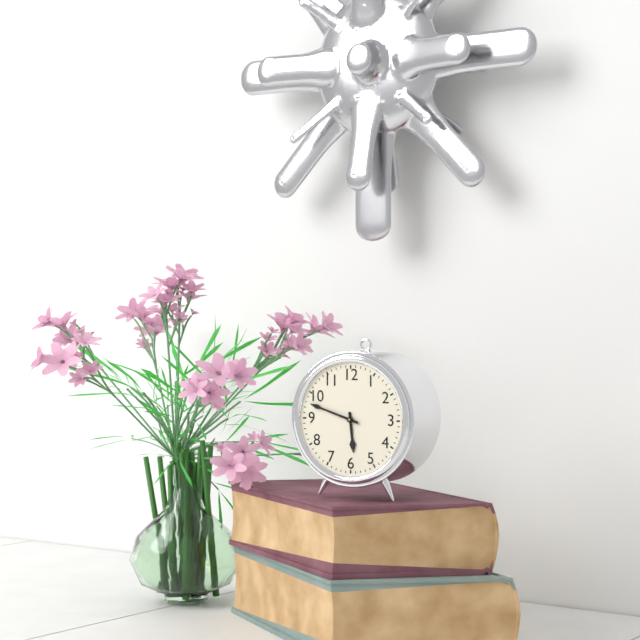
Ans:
5 h 48 min
